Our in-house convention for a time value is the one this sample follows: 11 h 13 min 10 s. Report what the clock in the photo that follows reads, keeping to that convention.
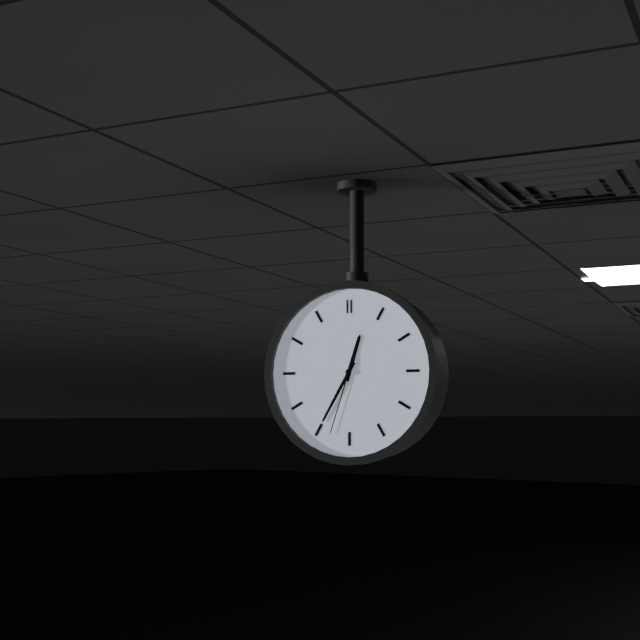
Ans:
12 h 35 min 33 s
